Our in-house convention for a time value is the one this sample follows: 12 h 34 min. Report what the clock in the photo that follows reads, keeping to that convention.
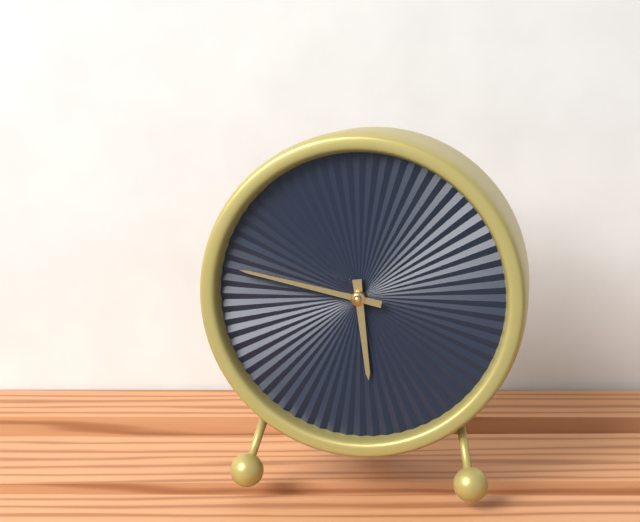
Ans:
5 h 47 min
